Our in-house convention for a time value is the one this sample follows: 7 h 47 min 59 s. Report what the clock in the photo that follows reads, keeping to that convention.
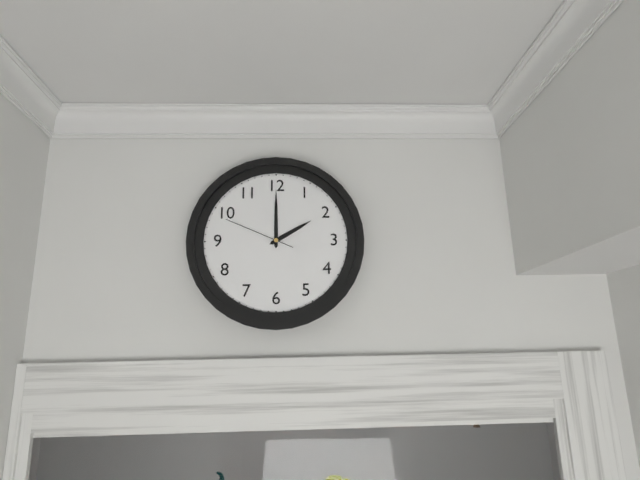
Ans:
2 h 00 min 49 s
